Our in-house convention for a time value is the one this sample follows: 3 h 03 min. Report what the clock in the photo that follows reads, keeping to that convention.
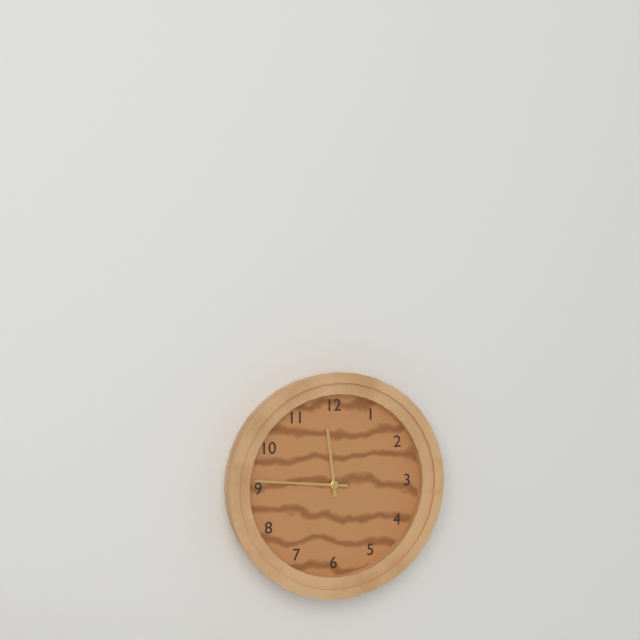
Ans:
11 h 46 min
